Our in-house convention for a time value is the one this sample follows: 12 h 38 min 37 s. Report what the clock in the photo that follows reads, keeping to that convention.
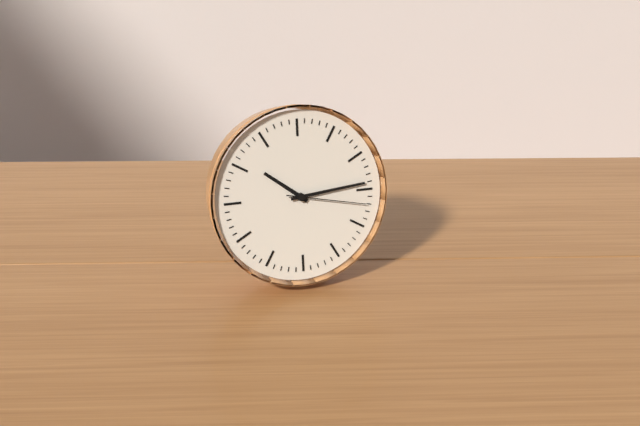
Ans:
10 h 14 min 17 s
